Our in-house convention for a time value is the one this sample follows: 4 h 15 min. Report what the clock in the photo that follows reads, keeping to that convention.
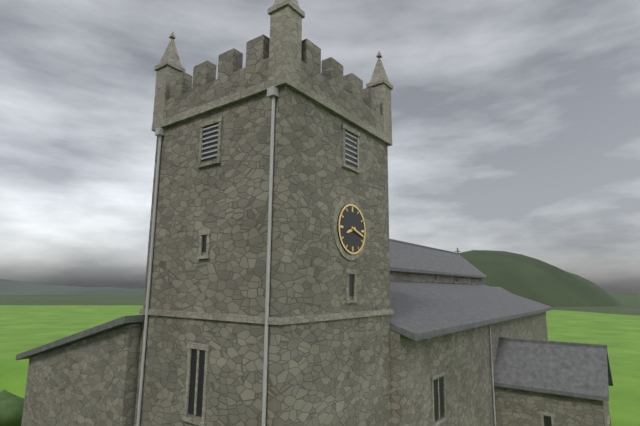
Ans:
8 h 18 min
